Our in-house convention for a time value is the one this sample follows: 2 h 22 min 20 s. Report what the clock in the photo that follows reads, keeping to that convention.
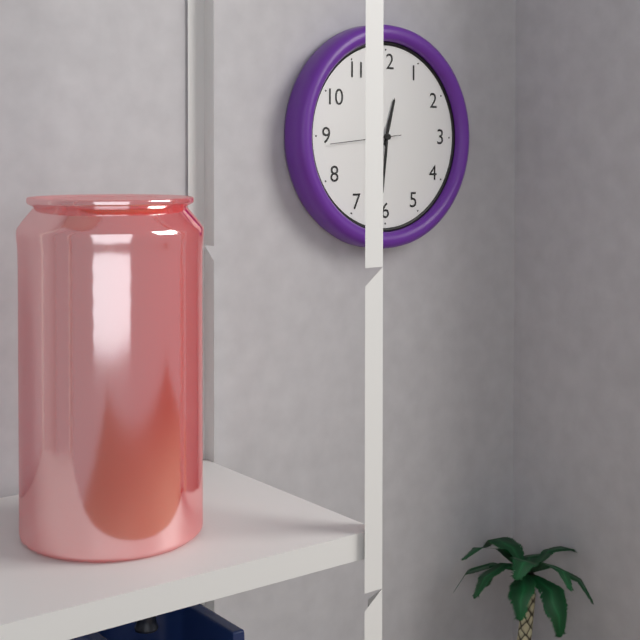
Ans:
12 h 31 min 44 s
